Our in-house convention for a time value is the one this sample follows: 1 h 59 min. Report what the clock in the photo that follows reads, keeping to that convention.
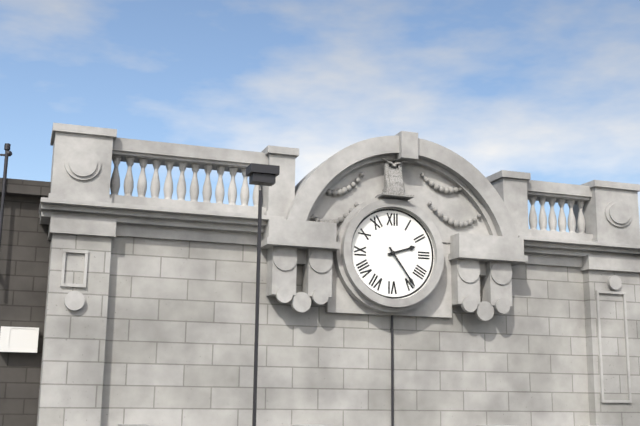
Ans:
2 h 24 min
